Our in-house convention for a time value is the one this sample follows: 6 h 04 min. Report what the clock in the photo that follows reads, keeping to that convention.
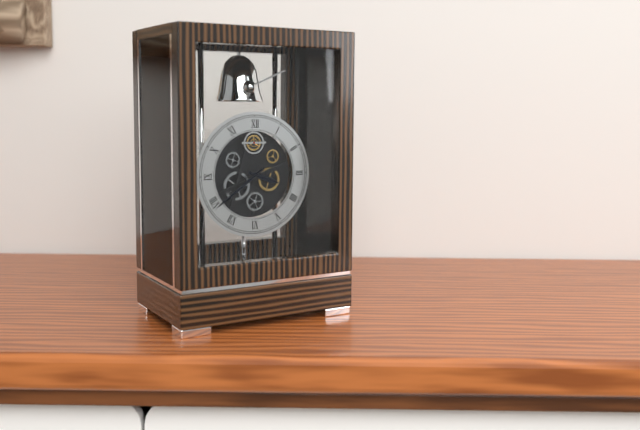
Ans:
3 h 39 min
